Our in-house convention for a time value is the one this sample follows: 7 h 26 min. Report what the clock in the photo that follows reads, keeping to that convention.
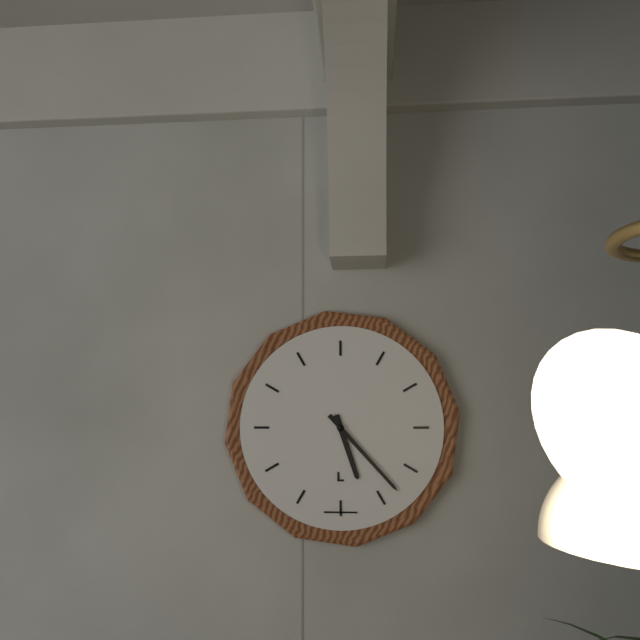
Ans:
5 h 23 min
